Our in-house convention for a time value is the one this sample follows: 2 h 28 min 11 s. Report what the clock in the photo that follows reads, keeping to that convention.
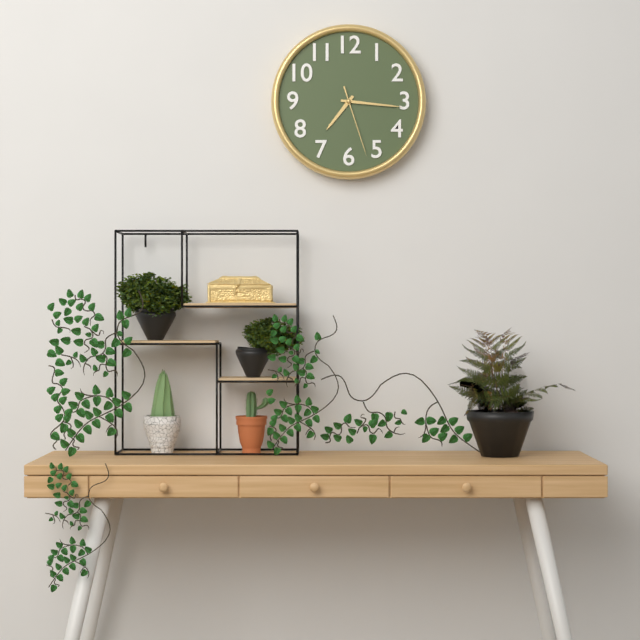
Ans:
7 h 16 min 27 s
